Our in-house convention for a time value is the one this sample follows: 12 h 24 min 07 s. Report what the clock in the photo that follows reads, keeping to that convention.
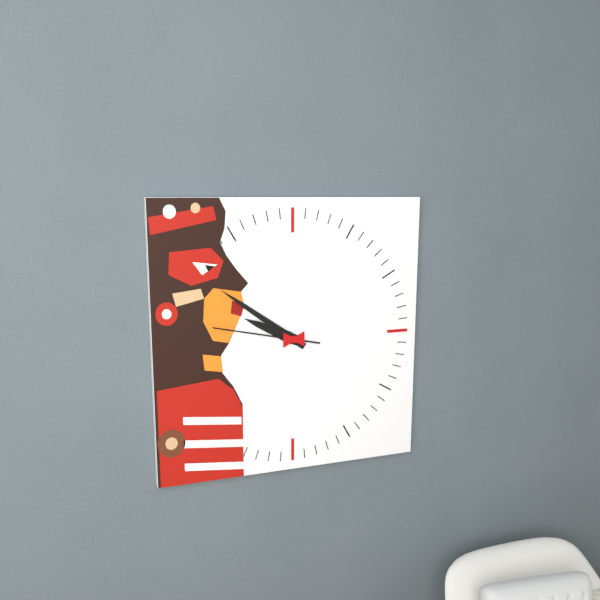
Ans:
9 h 51 min 47 s
